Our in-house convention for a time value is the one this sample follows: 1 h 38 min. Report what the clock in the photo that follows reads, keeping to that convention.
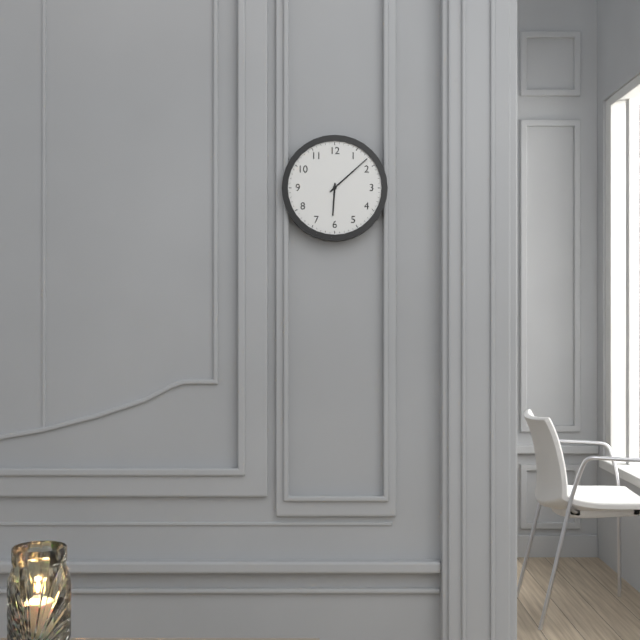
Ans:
6 h 08 min
